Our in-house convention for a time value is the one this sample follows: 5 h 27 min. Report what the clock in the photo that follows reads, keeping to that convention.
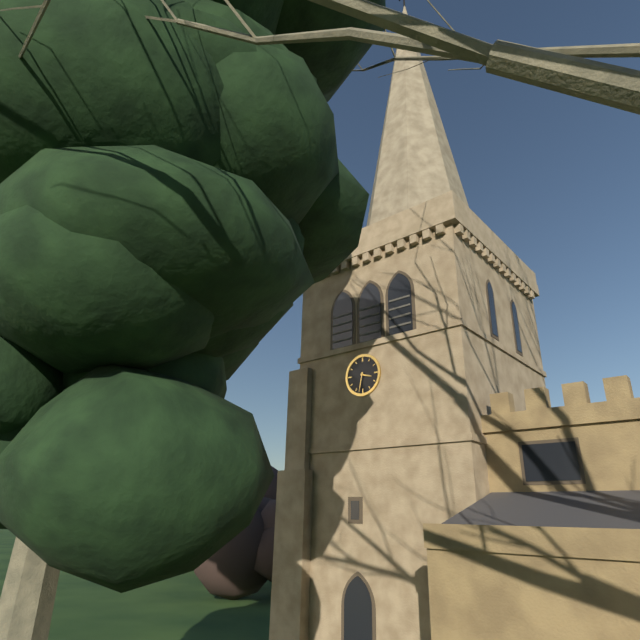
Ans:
3 h 32 min
